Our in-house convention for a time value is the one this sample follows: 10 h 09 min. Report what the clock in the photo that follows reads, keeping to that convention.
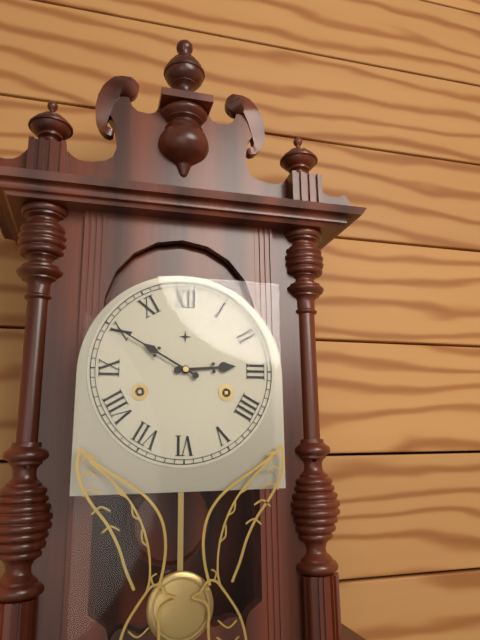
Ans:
2 h 50 min
